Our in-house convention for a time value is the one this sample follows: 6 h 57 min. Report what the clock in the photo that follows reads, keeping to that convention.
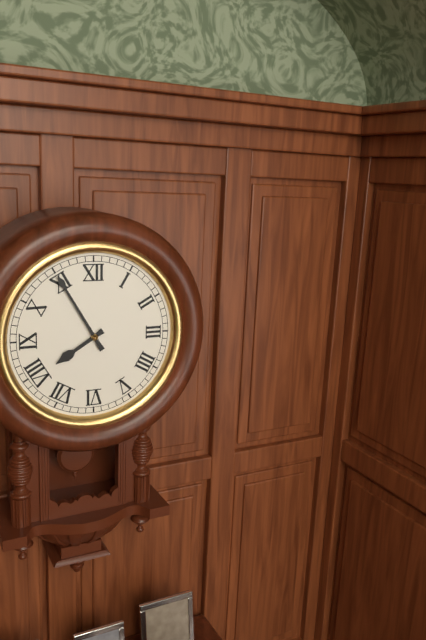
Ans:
7 h 55 min
